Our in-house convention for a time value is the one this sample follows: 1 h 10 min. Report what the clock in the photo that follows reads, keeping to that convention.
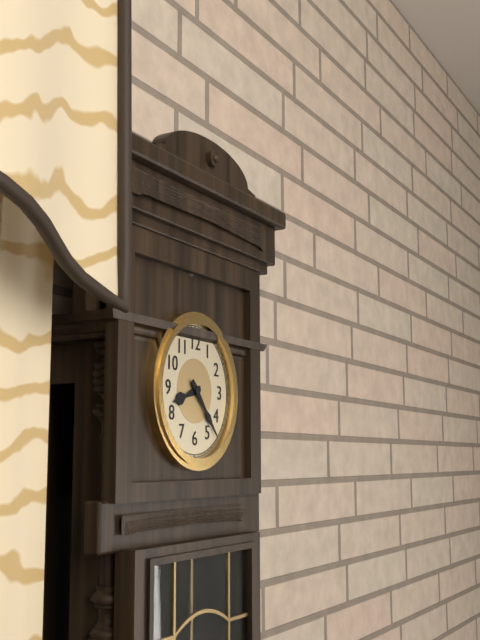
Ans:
8 h 23 min
